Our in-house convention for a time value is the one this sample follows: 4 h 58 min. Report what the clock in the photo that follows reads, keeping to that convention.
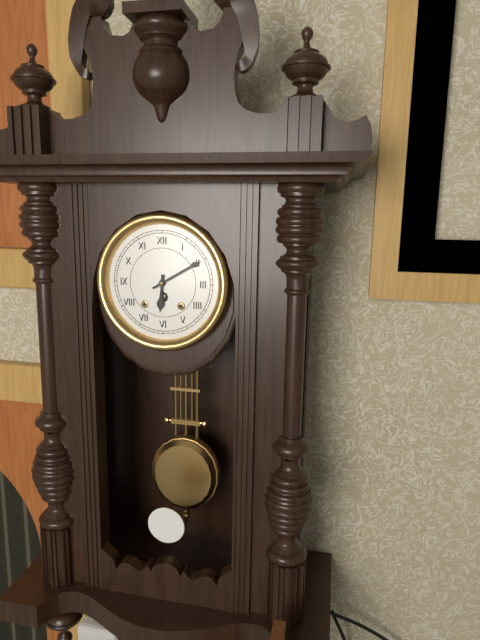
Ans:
6 h 10 min
